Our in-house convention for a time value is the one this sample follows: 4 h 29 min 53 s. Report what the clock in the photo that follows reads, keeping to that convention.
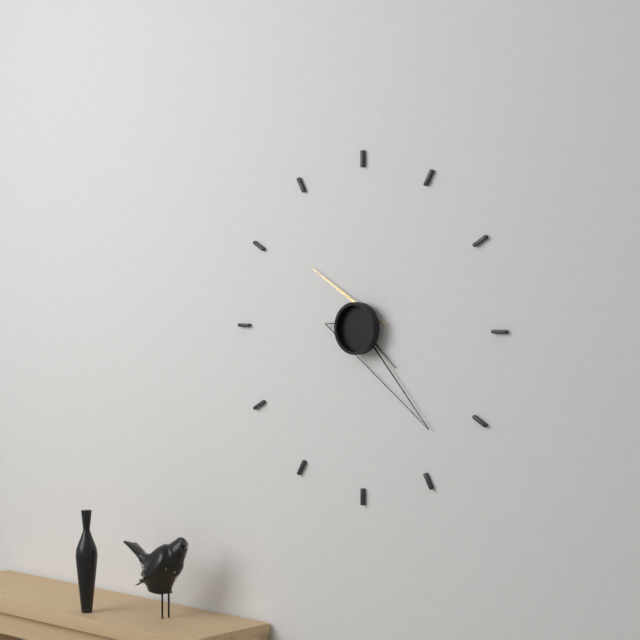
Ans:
4 h 23 min 52 s
